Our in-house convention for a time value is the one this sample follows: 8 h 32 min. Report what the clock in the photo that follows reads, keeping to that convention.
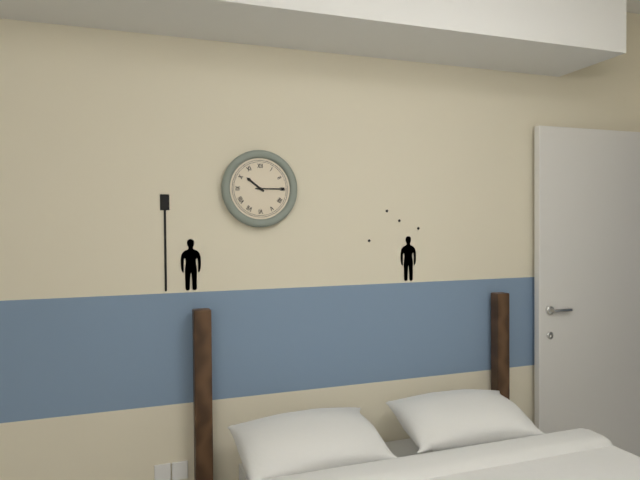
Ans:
10 h 15 min
